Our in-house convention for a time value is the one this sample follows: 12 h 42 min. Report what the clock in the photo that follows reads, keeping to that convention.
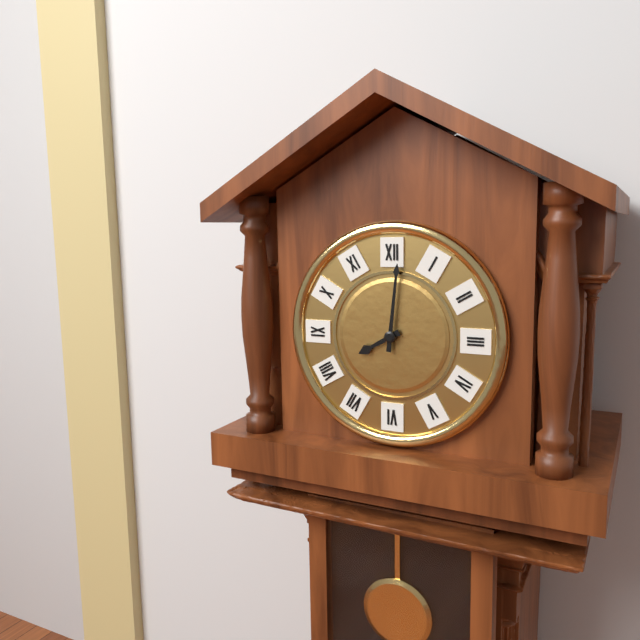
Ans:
8 h 01 min
